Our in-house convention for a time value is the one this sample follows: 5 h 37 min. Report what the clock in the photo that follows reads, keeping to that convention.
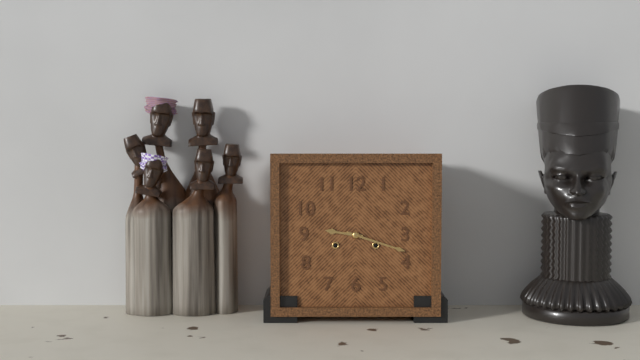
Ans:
9 h 18 min
